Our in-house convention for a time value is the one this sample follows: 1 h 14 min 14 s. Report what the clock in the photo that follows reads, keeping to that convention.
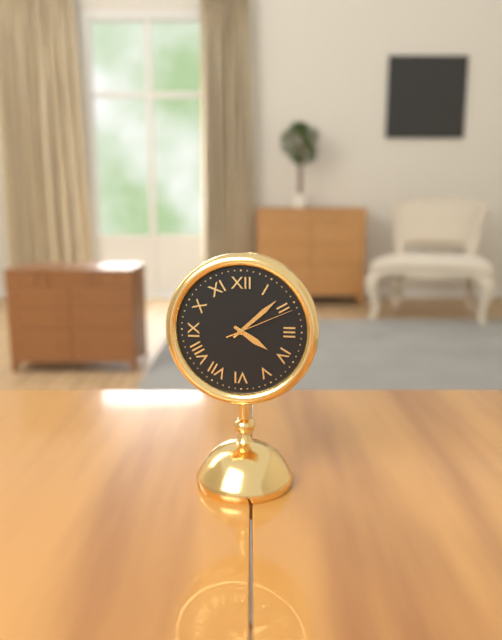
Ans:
4 h 08 min 11 s
